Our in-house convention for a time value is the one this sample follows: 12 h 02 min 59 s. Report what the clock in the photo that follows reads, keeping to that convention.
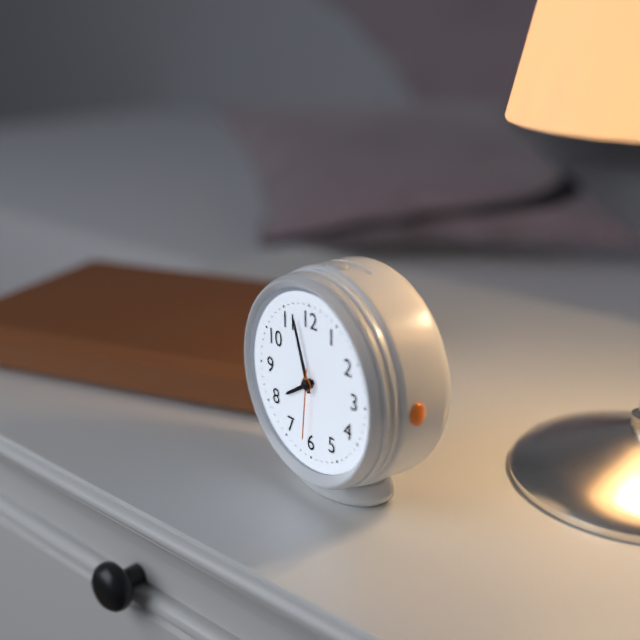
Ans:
7 h 57 min 31 s
